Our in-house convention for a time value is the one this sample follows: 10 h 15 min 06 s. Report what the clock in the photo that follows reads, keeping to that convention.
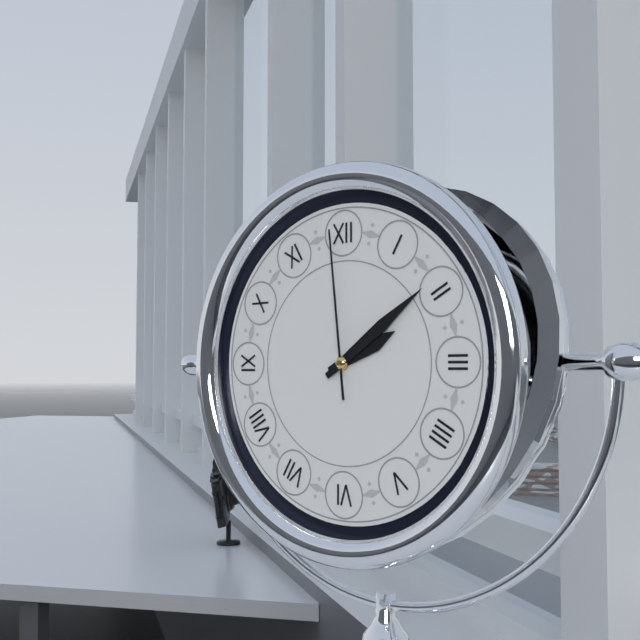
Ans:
2 h 09 min 59 s
